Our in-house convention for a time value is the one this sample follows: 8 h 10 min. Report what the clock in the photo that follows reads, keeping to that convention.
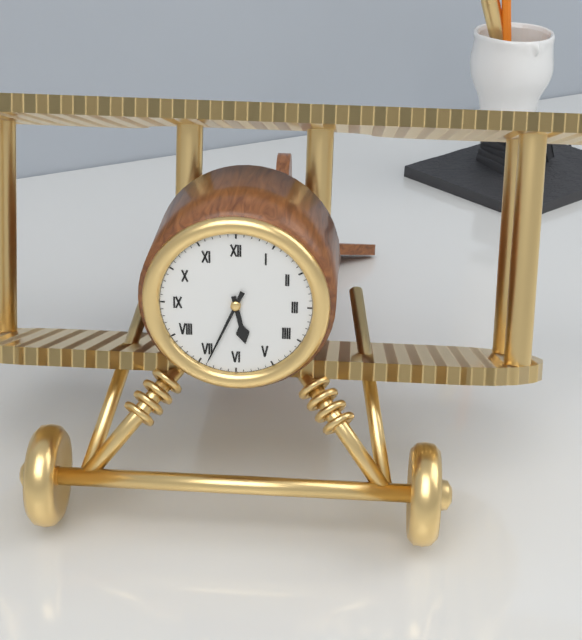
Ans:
5 h 34 min
